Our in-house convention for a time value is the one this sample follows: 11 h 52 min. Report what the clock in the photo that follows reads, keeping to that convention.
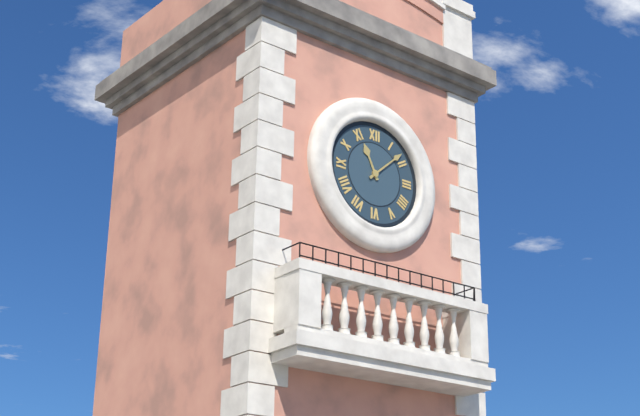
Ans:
11 h 08 min
